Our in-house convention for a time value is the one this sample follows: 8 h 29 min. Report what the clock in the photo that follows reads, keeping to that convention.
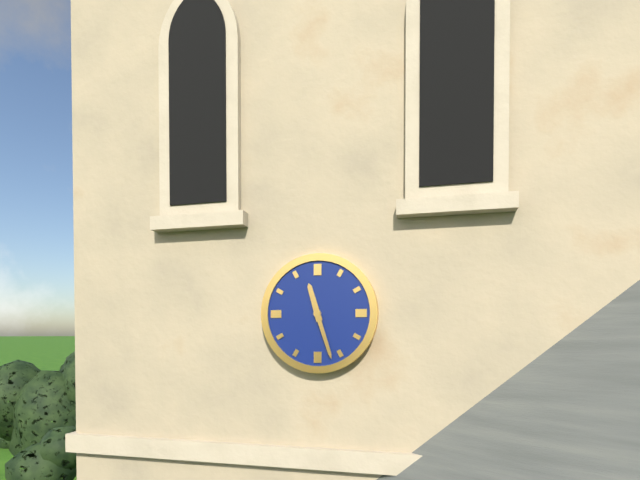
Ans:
11 h 27 min
